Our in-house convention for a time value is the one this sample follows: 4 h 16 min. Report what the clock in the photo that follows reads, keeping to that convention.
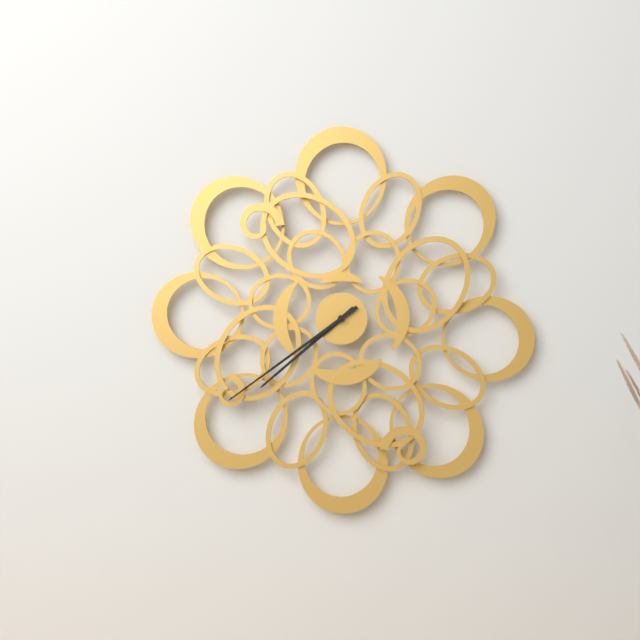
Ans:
7 h 39 min
